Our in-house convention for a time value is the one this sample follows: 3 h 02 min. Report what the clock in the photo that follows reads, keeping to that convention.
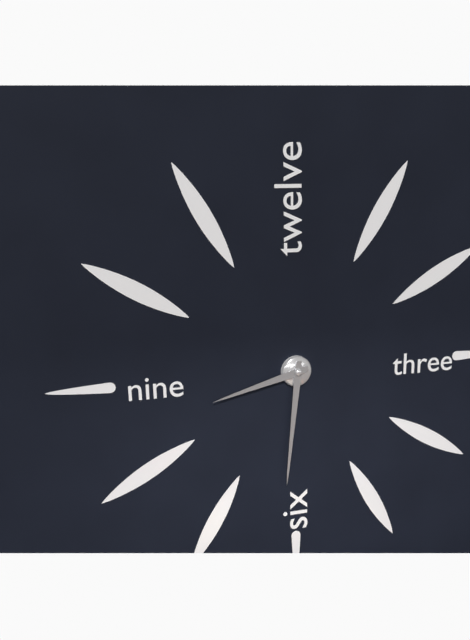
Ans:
8 h 31 min
